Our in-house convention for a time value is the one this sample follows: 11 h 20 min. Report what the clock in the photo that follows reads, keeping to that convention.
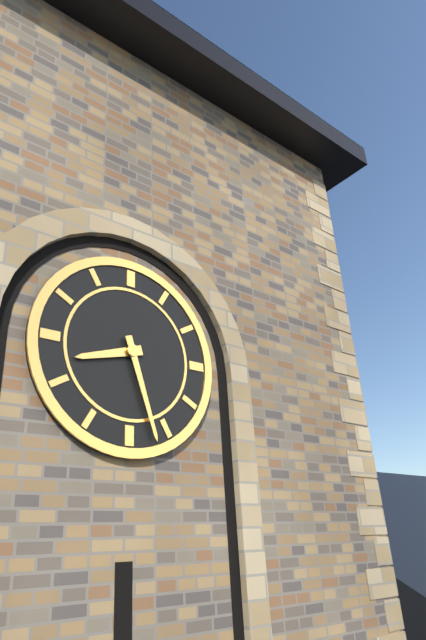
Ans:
8 h 27 min
